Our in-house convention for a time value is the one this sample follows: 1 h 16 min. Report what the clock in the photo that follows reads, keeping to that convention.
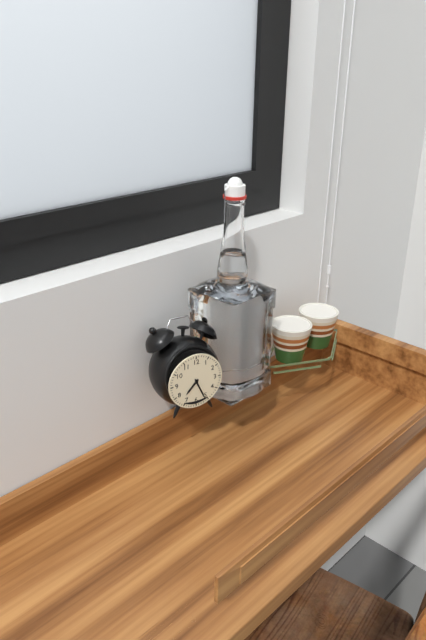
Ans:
7 h 26 min
